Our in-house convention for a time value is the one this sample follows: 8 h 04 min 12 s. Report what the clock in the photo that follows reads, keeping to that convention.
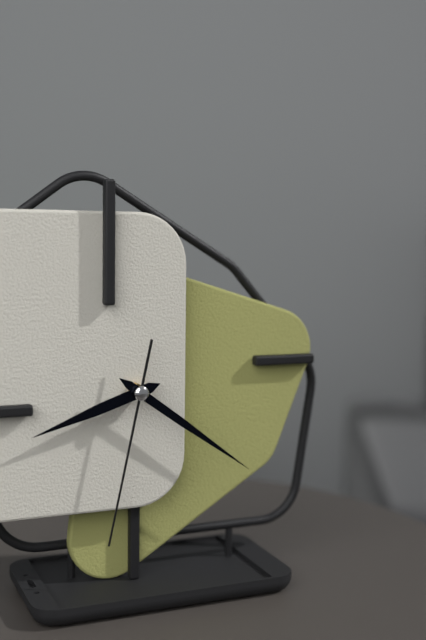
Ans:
8 h 21 min 32 s
